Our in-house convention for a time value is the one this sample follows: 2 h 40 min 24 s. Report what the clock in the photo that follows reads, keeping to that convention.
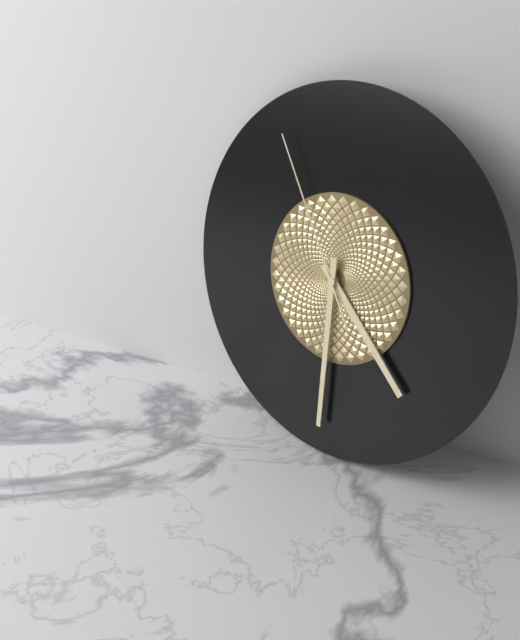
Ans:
4 h 30 min 55 s
